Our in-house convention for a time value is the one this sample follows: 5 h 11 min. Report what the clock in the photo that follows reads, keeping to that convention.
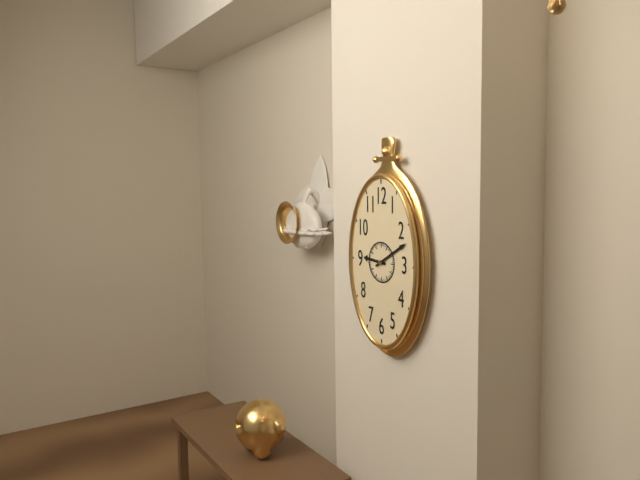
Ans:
9 h 10 min
